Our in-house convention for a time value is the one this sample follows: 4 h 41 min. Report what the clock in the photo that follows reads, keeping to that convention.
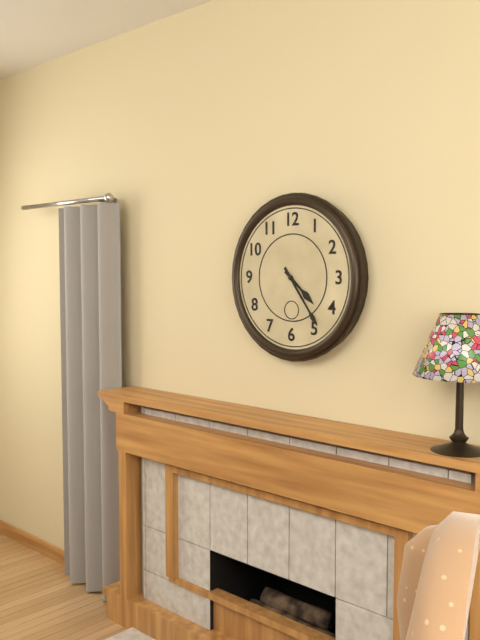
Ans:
4 h 24 min
